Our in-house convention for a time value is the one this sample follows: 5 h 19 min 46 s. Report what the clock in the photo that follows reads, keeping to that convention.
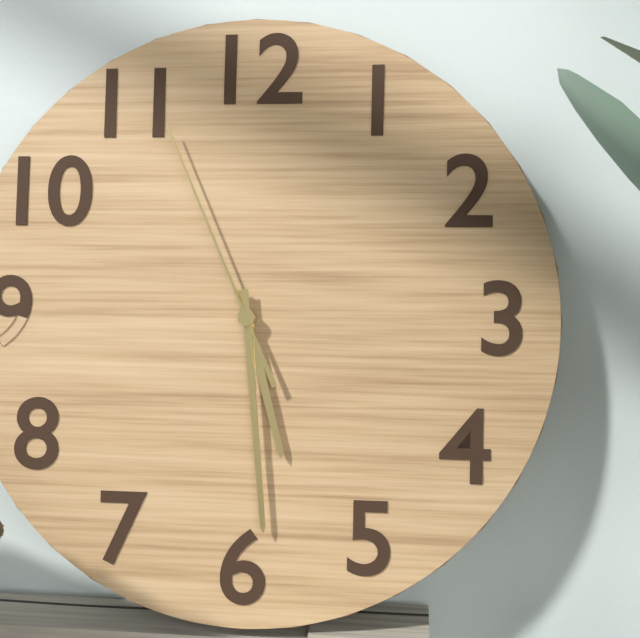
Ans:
5 h 29 min 56 s
